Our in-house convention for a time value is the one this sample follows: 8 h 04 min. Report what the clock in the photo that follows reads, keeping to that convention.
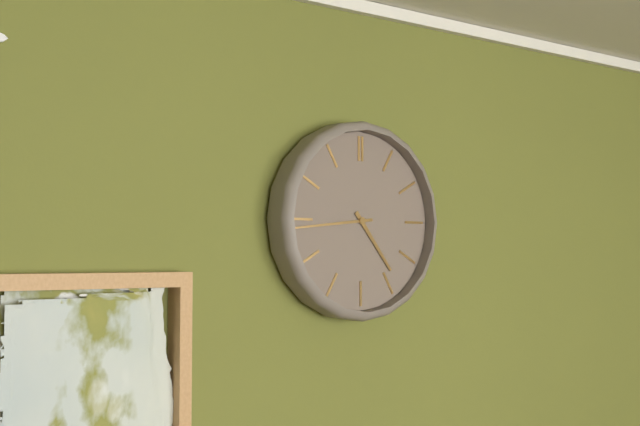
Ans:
4 h 44 min
